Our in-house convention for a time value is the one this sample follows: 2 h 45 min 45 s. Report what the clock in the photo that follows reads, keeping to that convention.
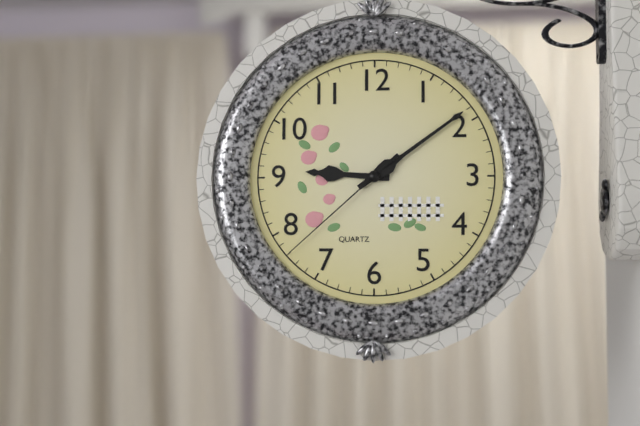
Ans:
9 h 09 min 38 s
